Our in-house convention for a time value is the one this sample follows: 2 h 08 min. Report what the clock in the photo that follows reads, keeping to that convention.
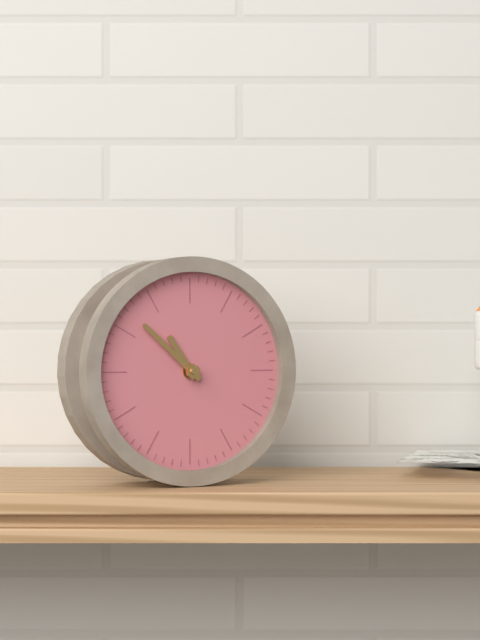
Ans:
10 h 52 min
